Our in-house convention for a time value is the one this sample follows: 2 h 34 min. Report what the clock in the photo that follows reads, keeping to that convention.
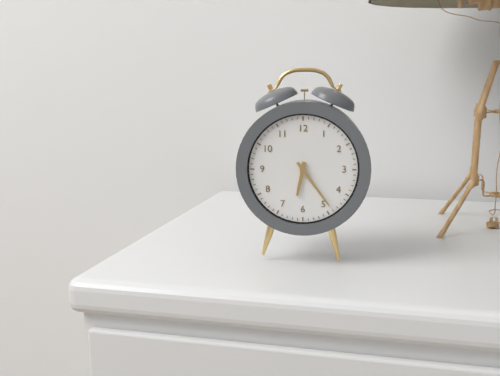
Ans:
6 h 24 min
